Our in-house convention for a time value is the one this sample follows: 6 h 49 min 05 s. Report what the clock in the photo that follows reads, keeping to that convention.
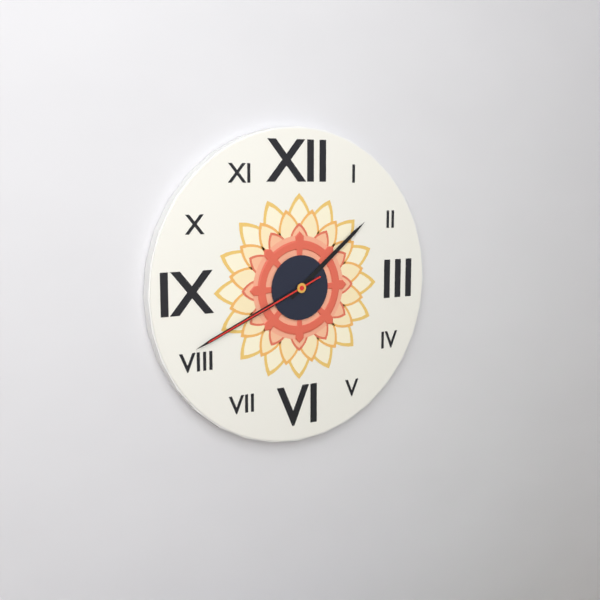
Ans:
1 h 41 min 41 s
